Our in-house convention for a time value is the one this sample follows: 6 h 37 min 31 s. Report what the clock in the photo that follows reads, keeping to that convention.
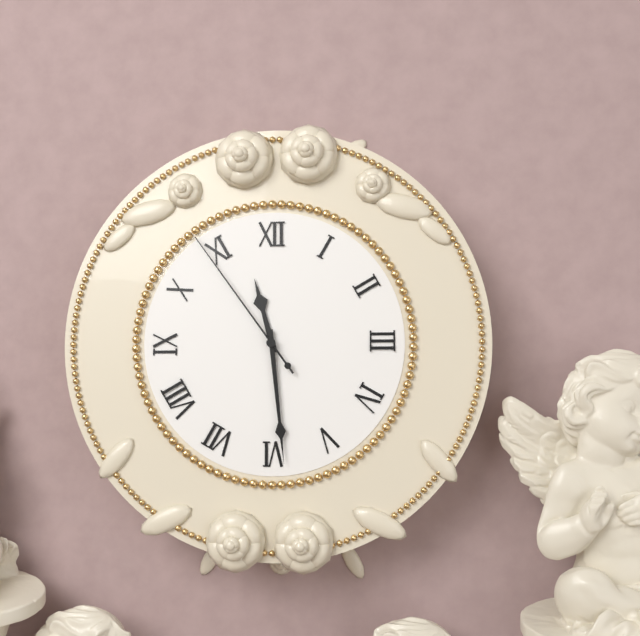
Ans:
11 h 29 min 54 s
